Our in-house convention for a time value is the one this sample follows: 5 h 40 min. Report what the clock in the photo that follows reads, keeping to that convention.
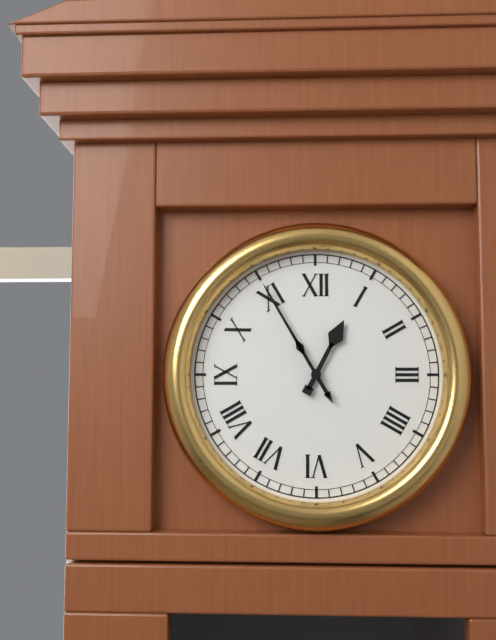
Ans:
12 h 55 min
